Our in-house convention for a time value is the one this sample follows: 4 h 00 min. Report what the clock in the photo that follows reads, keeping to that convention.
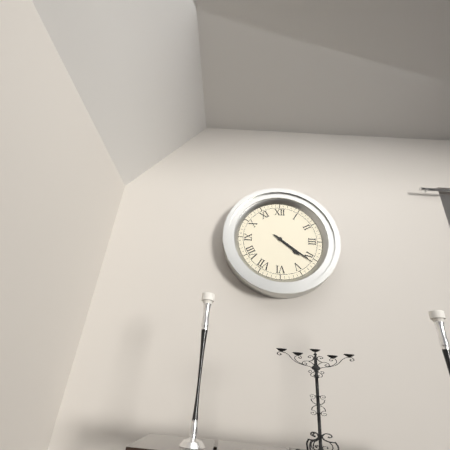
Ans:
4 h 21 min
